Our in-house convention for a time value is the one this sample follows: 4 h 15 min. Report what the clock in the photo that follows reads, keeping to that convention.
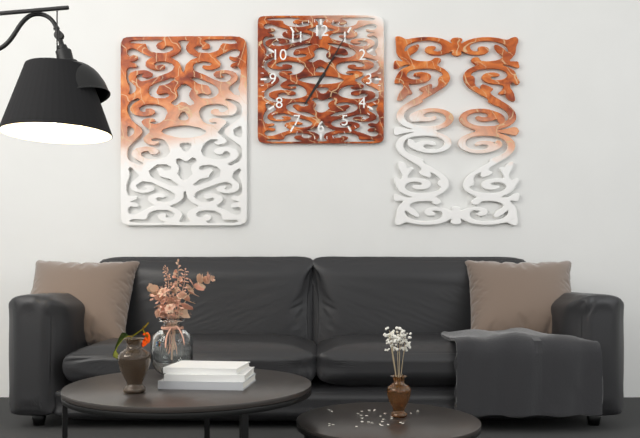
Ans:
7 h 05 min
